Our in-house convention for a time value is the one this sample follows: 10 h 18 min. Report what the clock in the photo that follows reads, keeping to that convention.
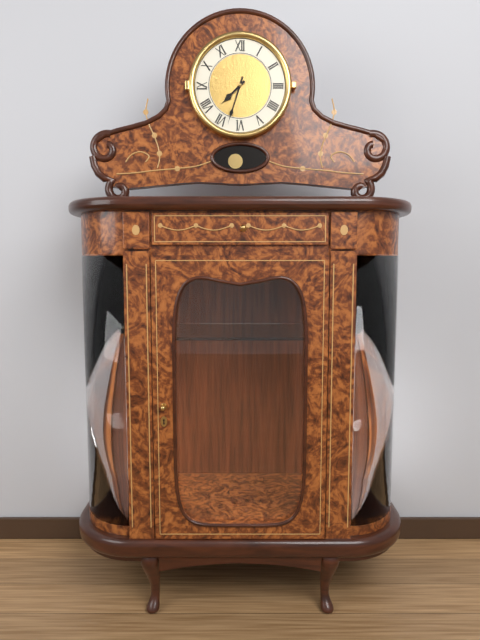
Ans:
7 h 33 min
